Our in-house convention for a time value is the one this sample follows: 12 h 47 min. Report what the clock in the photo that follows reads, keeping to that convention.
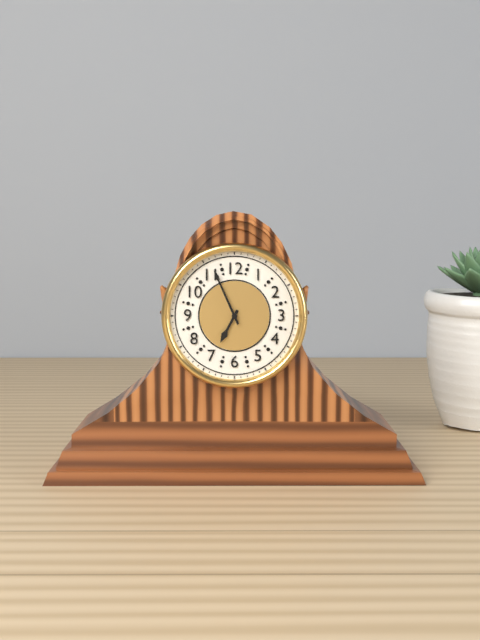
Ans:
6 h 56 min
